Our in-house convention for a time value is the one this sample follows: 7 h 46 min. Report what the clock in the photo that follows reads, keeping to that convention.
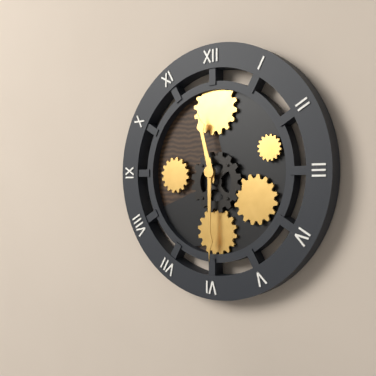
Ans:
11 h 30 min
